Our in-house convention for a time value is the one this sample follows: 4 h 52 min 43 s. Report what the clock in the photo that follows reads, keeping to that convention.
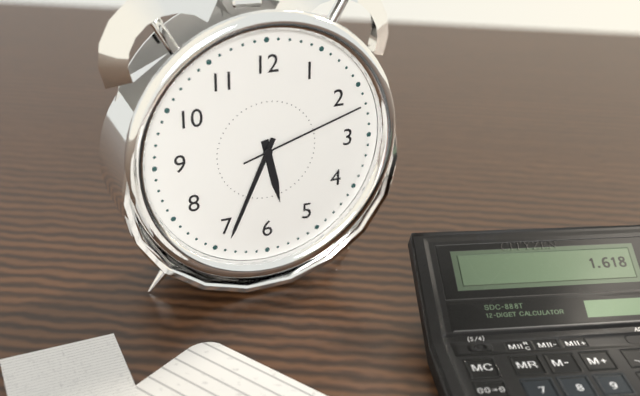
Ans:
5 h 34 min 12 s
